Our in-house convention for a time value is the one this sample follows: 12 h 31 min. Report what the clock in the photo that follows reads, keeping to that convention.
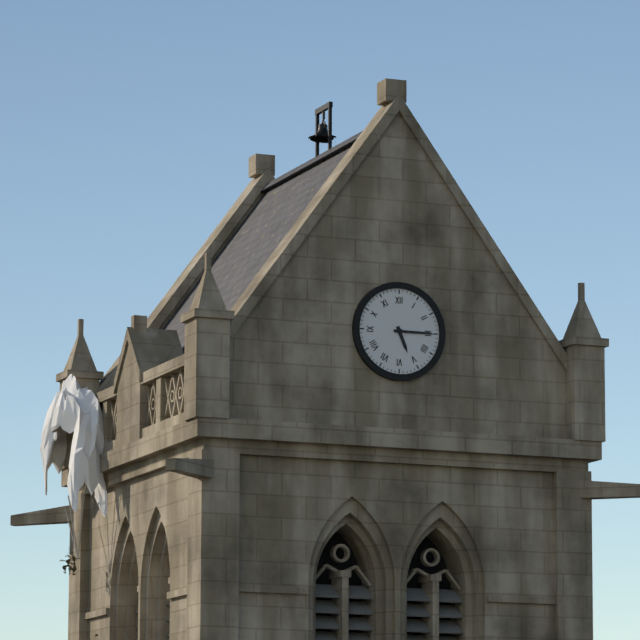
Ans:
5 h 15 min
